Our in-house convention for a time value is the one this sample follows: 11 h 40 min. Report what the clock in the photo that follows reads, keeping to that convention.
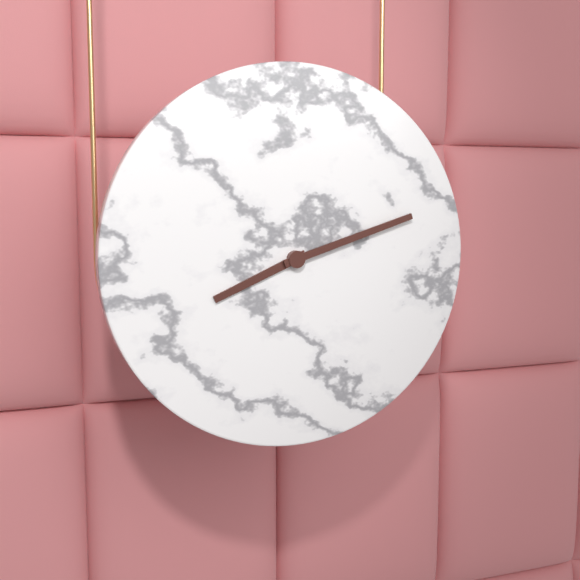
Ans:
8 h 12 min
